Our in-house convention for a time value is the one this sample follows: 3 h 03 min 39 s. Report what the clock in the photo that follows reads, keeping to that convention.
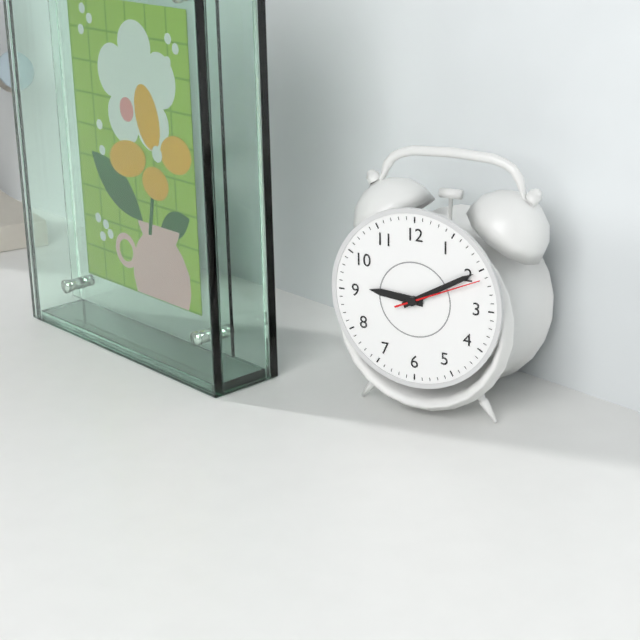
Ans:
9 h 10 min 11 s
